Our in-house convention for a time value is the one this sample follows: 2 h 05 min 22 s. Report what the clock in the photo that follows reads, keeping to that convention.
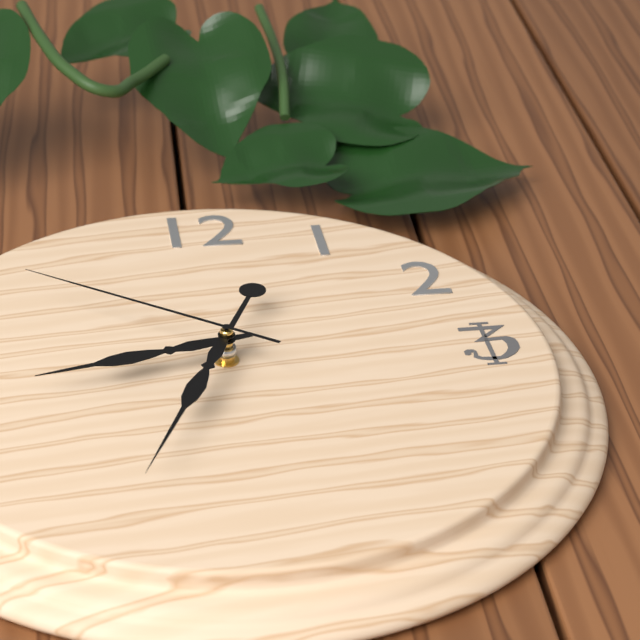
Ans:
8 h 34 min 51 s
